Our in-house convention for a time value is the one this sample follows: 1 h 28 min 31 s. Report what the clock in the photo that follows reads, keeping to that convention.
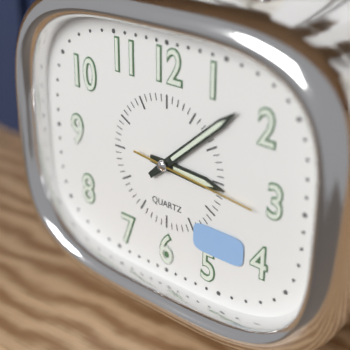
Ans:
3 h 08 min 16 s
